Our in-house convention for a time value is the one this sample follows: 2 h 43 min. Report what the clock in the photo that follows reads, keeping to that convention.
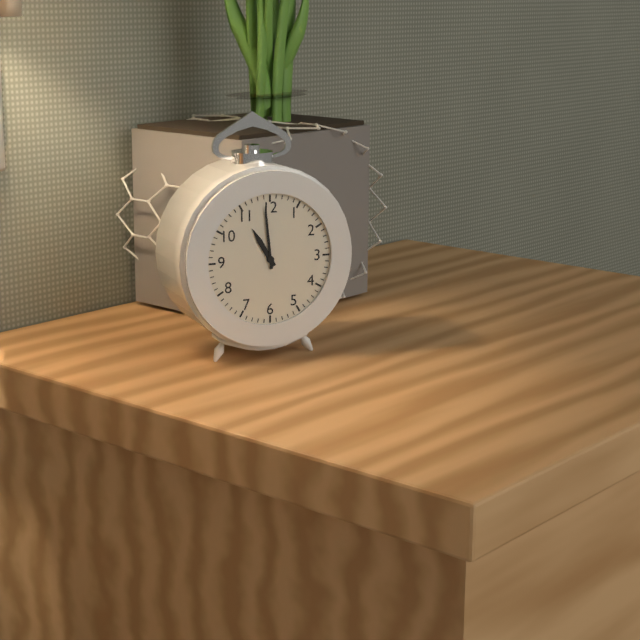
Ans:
10 h 59 min
